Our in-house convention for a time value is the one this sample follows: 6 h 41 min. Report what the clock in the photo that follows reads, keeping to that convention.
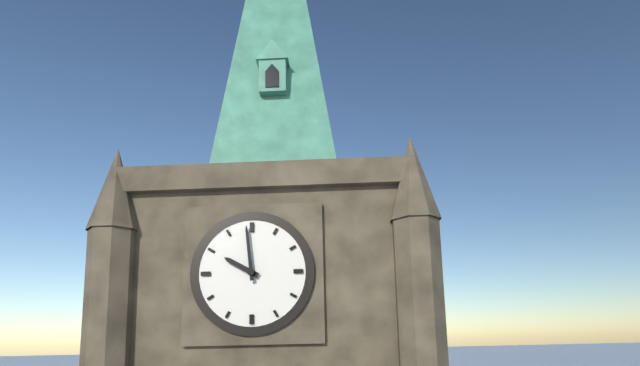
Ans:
9 h 59 min
